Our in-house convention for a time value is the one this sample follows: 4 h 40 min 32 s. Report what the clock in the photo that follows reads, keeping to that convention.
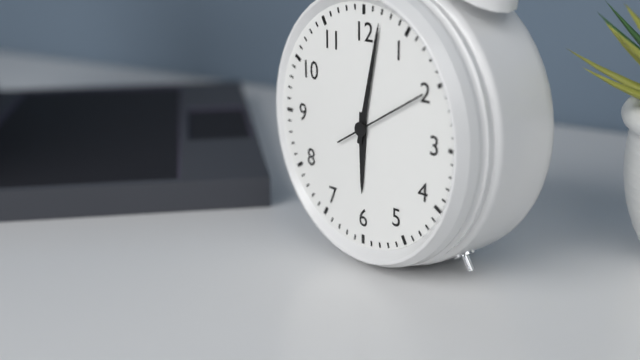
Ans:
6 h 02 min 10 s
